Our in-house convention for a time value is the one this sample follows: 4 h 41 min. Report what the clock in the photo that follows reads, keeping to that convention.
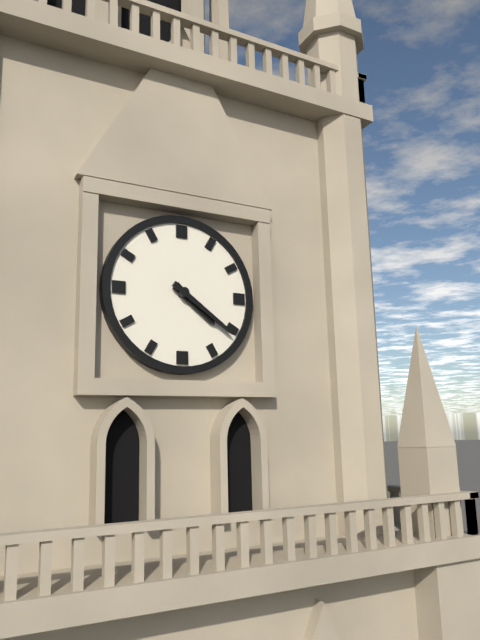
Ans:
4 h 21 min
